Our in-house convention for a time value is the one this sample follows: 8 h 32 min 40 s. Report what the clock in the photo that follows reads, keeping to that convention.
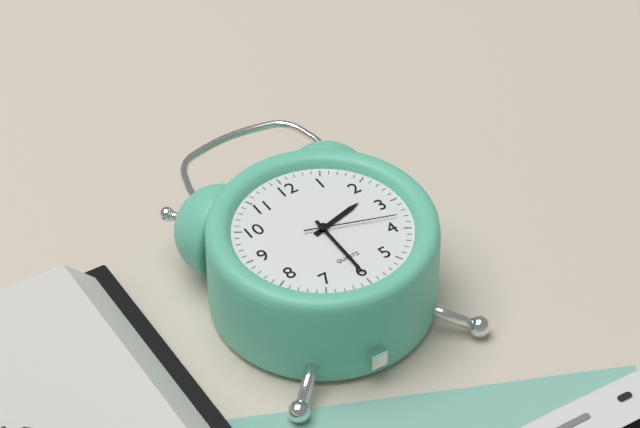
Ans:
2 h 30 min 18 s
